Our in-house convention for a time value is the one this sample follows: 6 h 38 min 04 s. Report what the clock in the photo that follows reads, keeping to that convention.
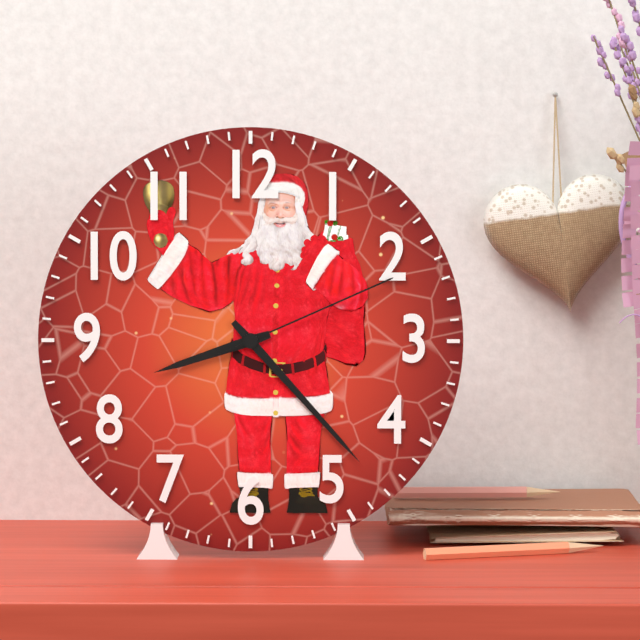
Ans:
8 h 23 min 11 s
